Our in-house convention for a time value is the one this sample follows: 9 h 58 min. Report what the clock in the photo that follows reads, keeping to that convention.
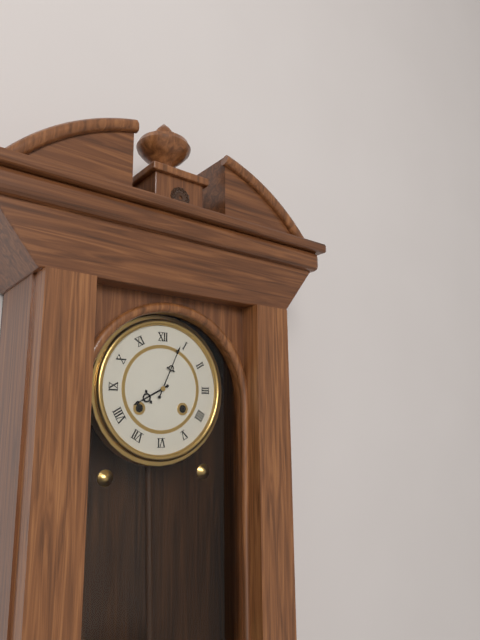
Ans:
8 h 04 min
